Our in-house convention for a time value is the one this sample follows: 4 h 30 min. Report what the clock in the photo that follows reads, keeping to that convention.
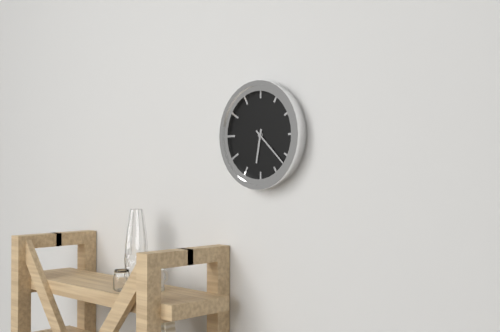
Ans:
6 h 22 min
